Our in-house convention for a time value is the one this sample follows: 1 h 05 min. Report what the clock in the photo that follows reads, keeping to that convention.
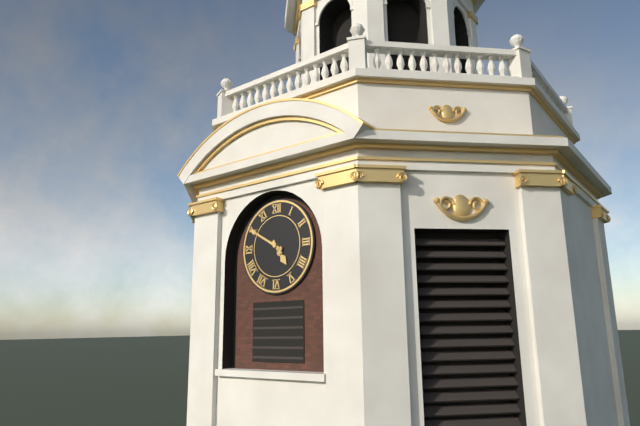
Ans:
4 h 50 min
